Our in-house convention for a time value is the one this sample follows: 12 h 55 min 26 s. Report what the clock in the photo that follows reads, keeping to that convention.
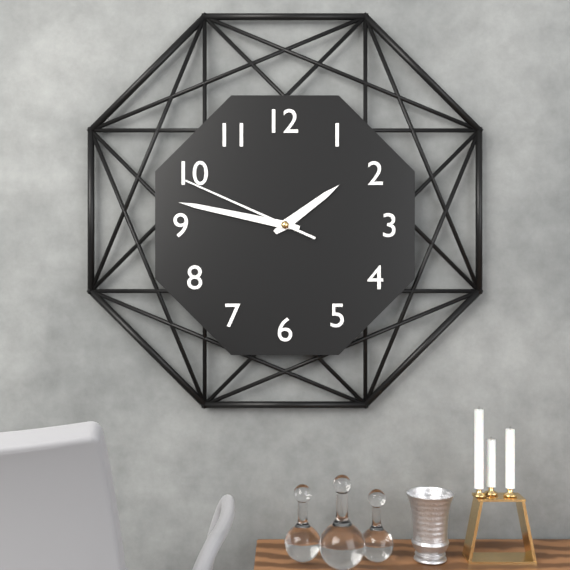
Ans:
1 h 47 min 49 s
